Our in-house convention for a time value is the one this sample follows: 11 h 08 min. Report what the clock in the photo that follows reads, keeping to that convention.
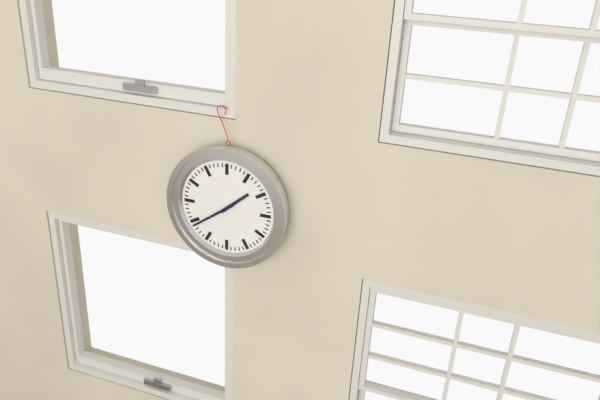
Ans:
1 h 39 min
